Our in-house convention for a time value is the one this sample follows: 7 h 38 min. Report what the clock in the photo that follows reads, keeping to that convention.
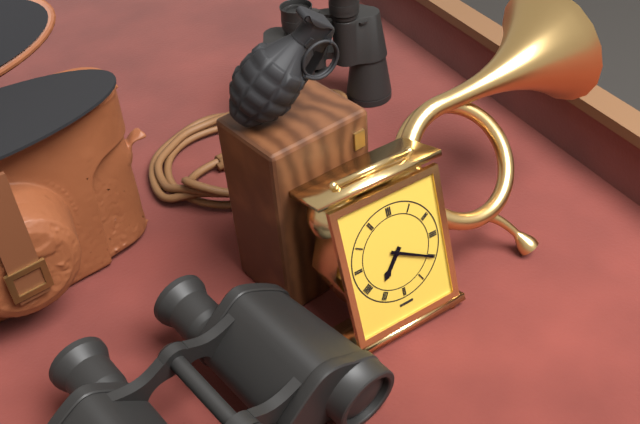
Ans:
7 h 20 min
